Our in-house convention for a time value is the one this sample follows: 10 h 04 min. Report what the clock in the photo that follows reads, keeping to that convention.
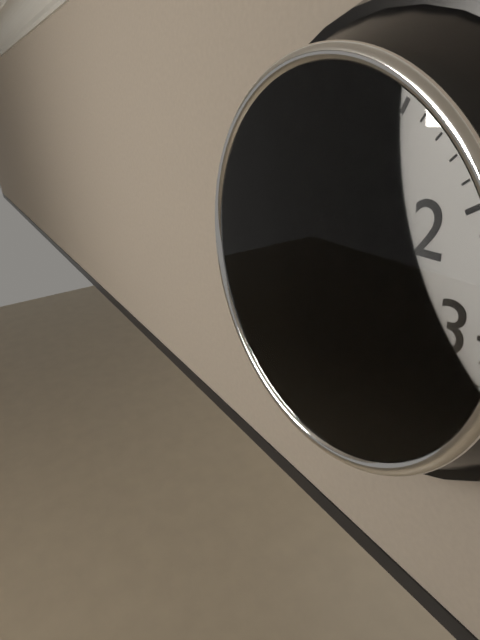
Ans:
5 h 46 min
